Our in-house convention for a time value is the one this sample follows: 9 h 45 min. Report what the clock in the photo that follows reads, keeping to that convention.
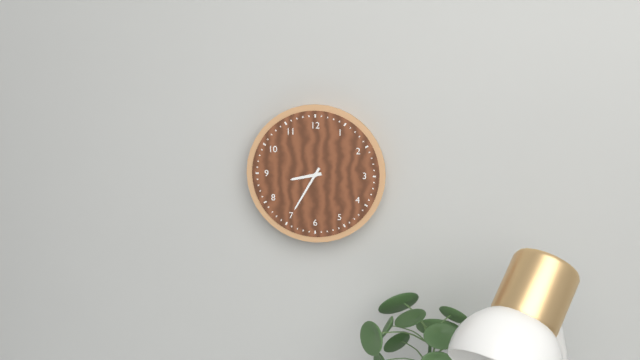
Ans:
8 h 35 min
